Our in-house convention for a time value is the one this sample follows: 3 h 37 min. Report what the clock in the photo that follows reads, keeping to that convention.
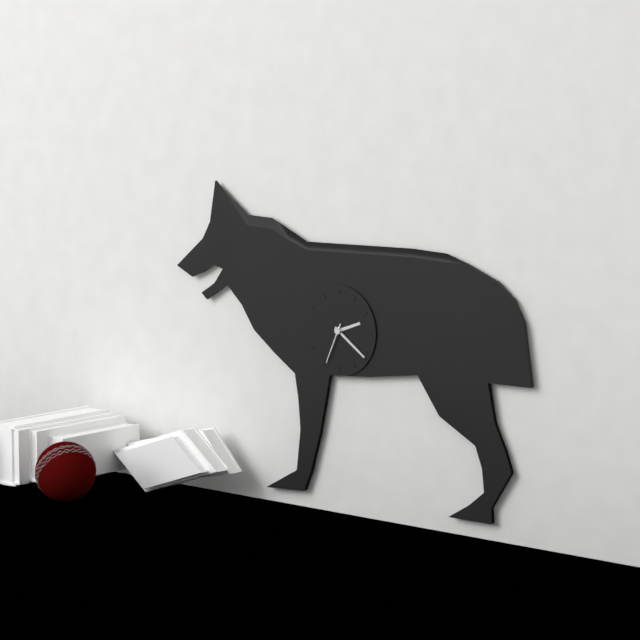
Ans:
2 h 21 min
